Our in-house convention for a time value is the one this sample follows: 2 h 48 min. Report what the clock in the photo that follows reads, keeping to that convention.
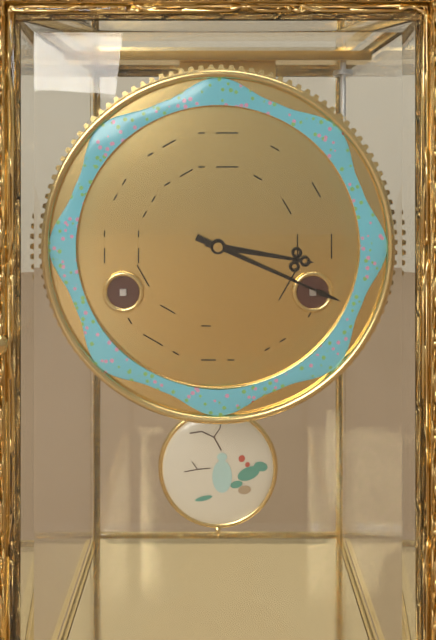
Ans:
3 h 19 min
